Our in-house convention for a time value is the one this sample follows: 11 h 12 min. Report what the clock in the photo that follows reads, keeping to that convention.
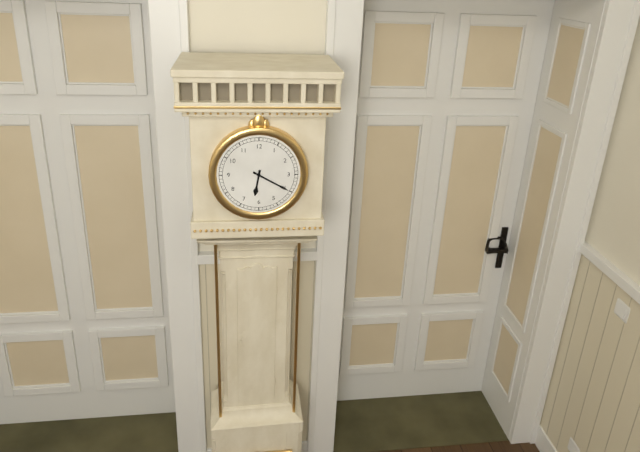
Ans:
6 h 20 min
